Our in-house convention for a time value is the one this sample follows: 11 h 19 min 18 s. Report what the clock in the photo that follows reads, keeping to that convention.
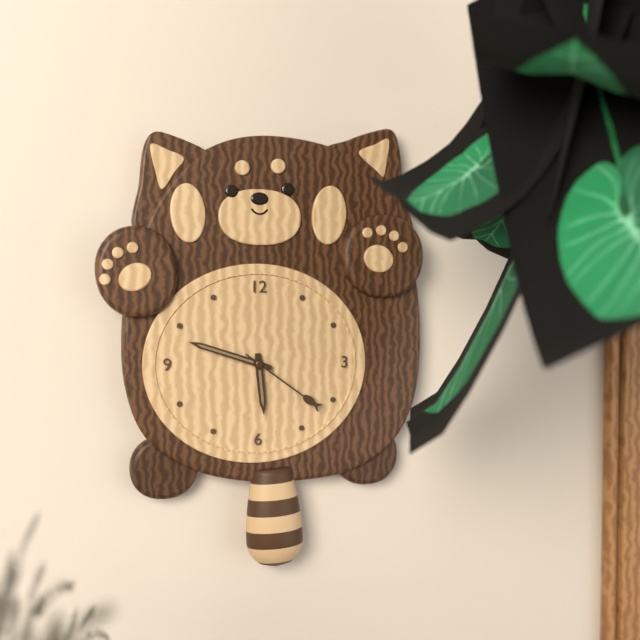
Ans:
5 h 48 min 21 s
